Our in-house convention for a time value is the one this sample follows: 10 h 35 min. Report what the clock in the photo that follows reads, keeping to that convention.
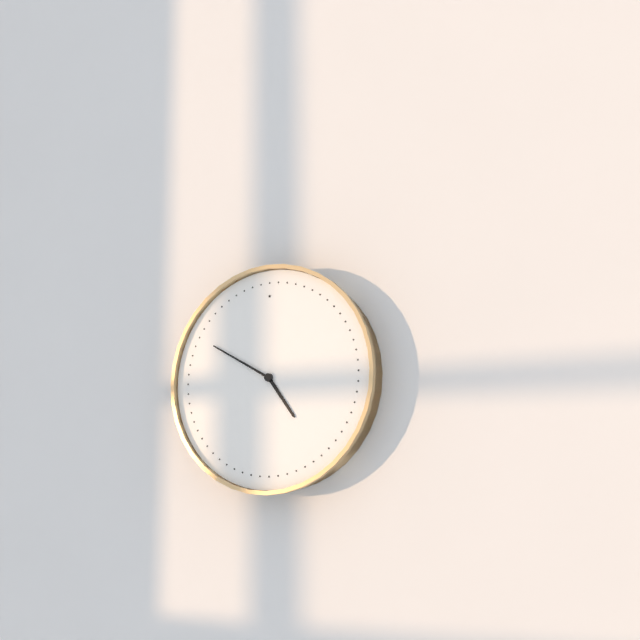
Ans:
4 h 50 min
